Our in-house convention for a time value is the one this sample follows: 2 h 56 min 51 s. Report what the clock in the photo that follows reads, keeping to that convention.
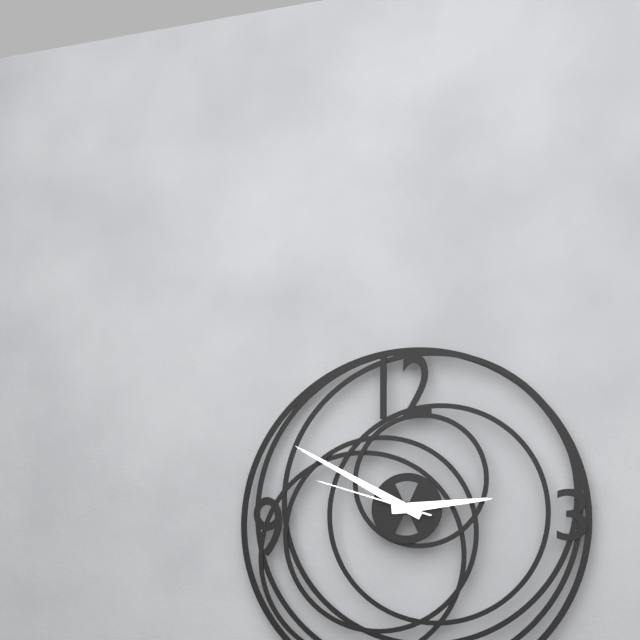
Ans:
2 h 50 min 48 s
